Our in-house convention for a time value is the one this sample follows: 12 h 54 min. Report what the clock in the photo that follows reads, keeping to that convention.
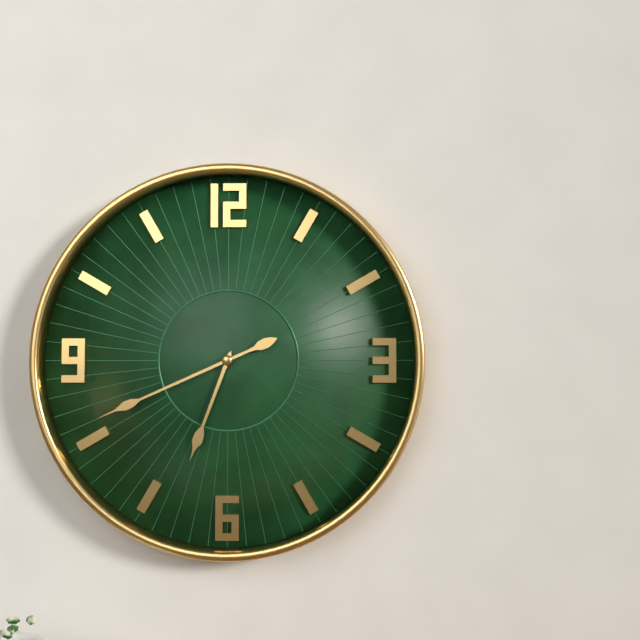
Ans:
6 h 41 min
